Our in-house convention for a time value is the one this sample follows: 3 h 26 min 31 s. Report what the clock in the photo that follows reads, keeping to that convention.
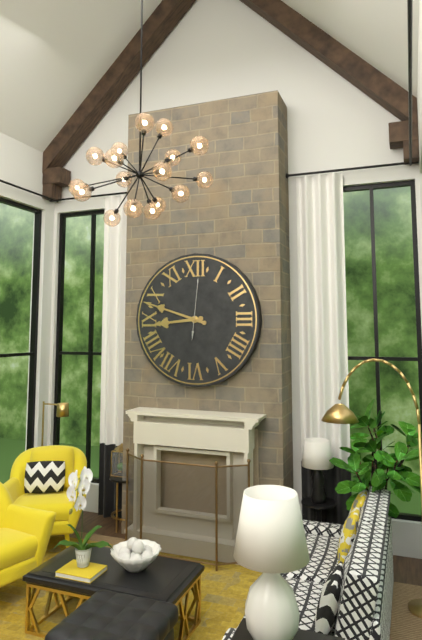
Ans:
8 h 48 min 01 s
